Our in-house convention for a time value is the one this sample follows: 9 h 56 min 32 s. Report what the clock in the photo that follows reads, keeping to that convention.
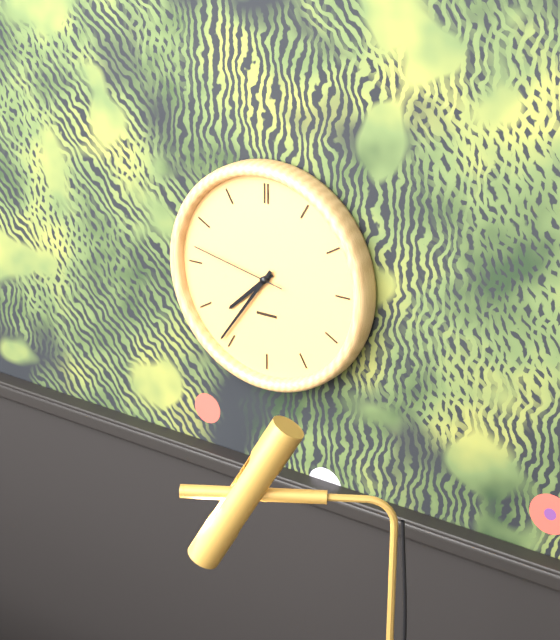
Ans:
7 h 36 min 47 s
